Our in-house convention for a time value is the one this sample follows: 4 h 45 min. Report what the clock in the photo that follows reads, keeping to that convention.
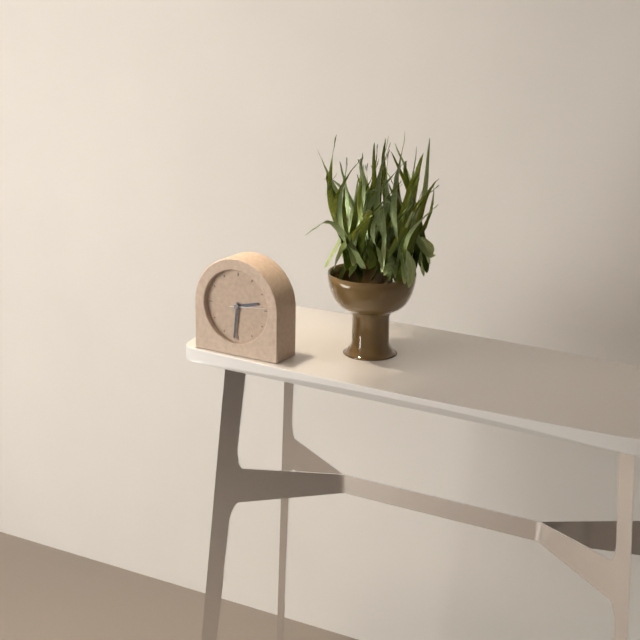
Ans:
2 h 31 min
